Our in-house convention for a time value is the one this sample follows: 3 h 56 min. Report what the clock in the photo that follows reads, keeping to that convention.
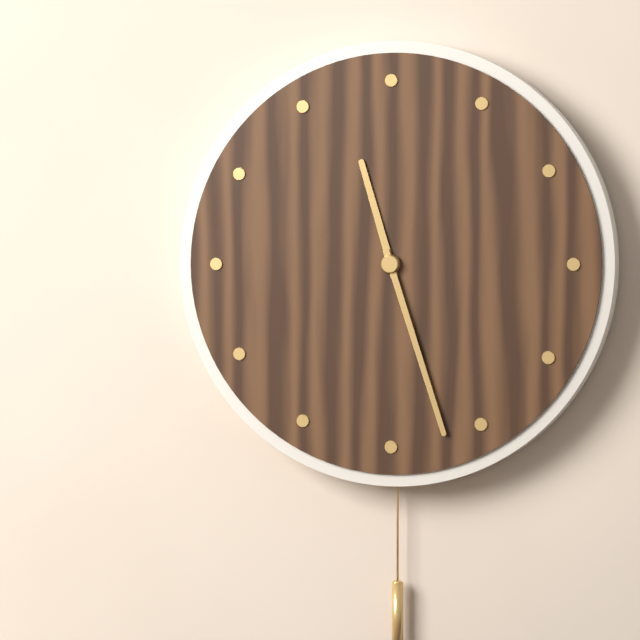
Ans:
11 h 27 min
